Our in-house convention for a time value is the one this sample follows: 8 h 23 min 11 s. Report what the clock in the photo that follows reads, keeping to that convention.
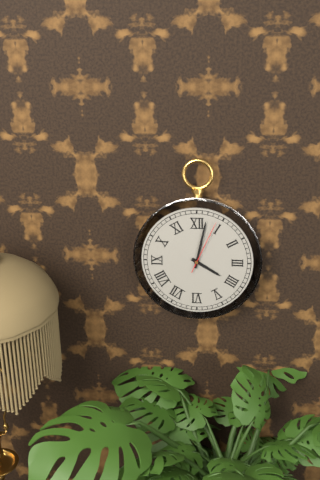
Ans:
4 h 02 min 04 s
